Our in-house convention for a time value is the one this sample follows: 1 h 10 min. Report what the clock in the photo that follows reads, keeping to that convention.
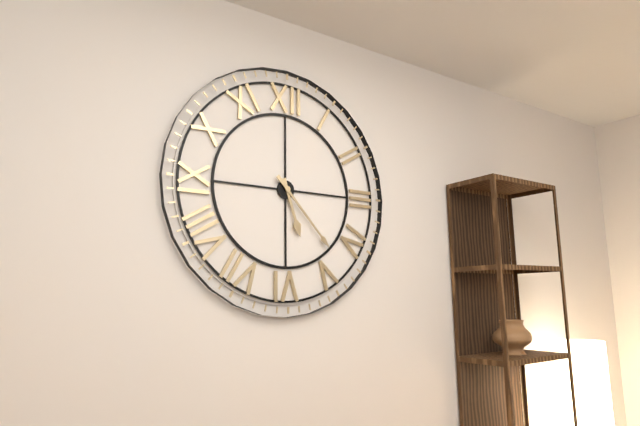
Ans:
5 h 23 min
